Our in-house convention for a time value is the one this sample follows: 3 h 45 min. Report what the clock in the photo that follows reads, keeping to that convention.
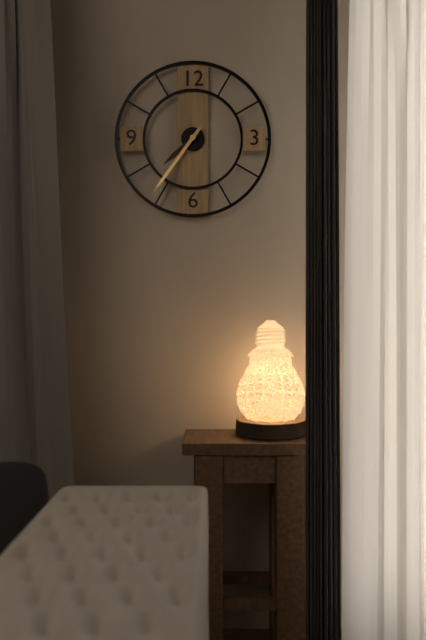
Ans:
7 h 36 min
